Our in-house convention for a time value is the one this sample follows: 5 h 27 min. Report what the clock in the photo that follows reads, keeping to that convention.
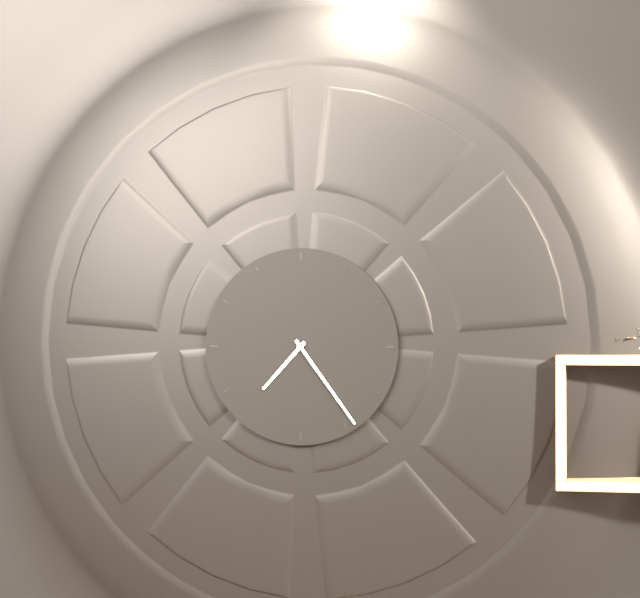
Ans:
7 h 24 min
